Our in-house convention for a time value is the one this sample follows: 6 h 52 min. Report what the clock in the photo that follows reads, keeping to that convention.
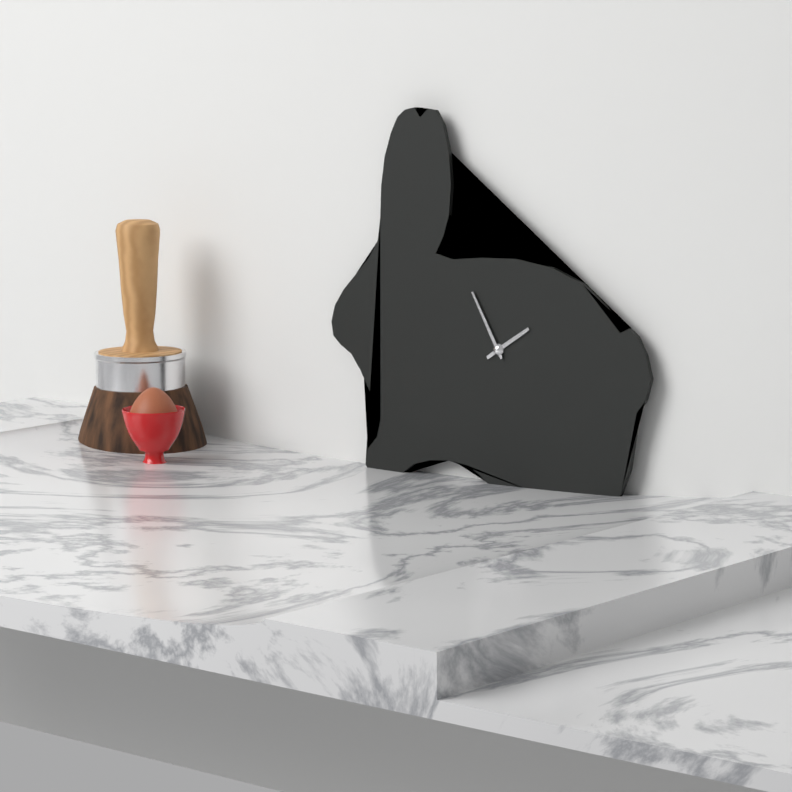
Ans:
1 h 55 min
